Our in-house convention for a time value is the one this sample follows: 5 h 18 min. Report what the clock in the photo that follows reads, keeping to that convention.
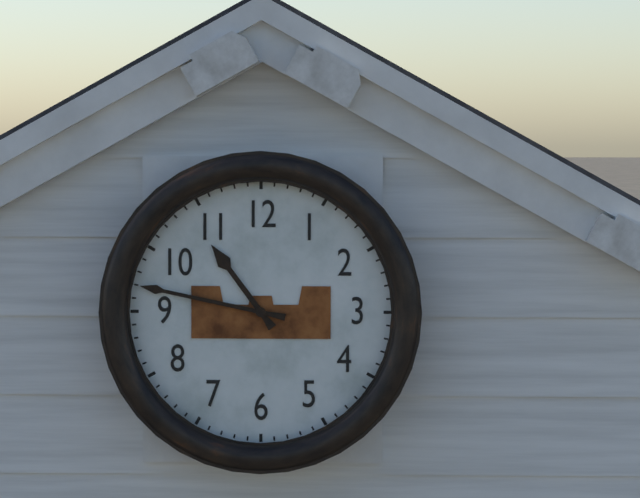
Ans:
10 h 47 min
